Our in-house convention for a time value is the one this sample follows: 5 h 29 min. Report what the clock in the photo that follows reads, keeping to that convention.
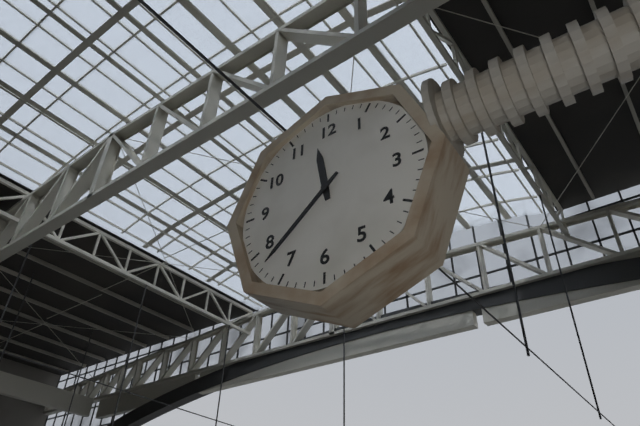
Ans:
11 h 38 min
